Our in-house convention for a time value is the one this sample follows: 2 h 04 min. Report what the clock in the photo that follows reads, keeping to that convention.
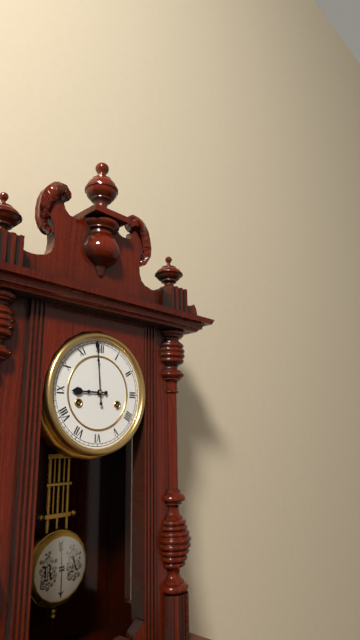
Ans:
8 h 59 min
